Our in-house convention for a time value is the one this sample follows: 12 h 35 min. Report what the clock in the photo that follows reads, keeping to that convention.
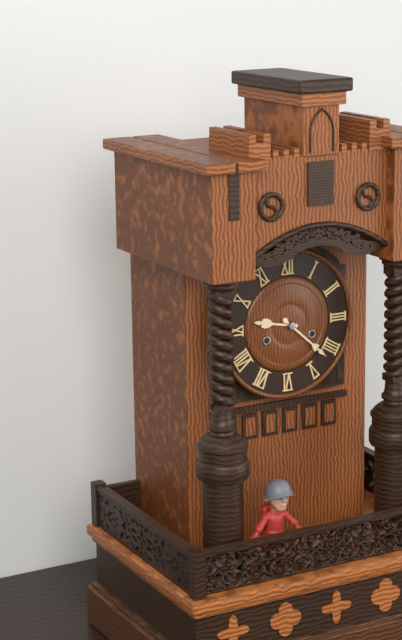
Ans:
9 h 22 min
